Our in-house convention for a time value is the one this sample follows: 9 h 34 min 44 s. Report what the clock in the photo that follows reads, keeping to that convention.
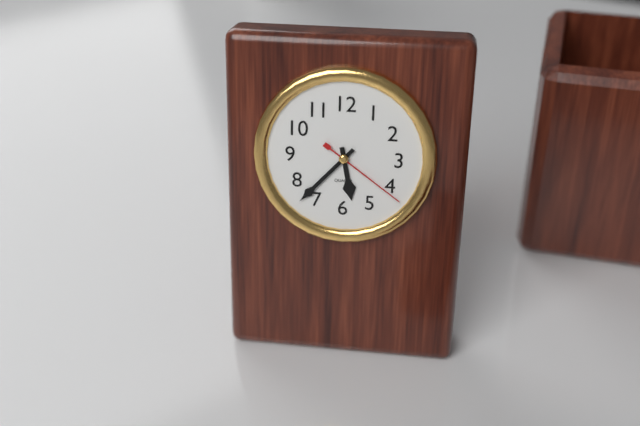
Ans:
5 h 37 min 21 s
